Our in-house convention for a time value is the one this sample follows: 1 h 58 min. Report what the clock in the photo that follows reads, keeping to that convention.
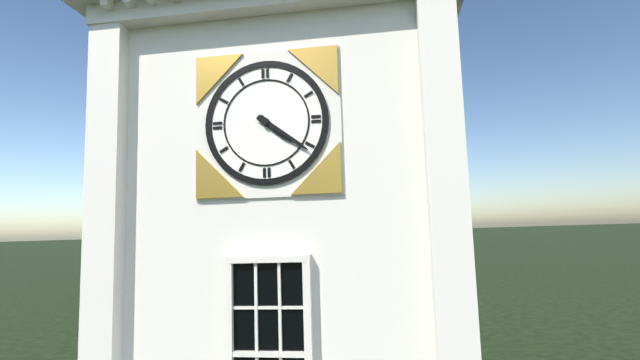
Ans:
4 h 21 min
